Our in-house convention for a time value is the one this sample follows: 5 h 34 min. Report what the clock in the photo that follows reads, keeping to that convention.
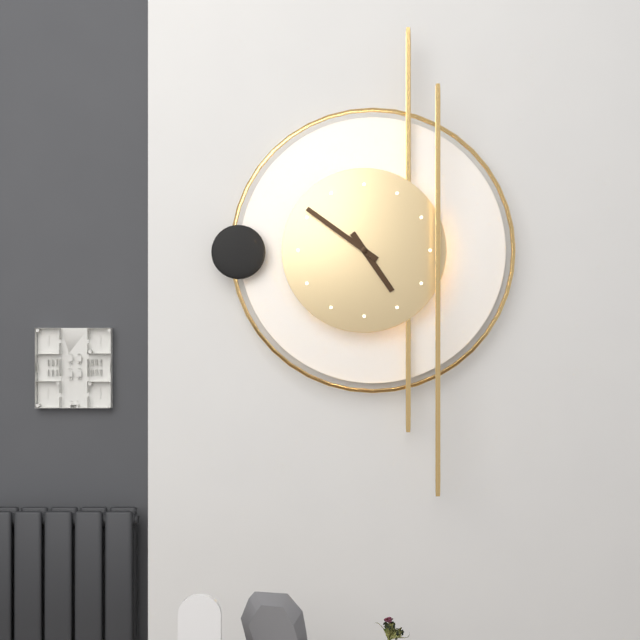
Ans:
4 h 51 min
